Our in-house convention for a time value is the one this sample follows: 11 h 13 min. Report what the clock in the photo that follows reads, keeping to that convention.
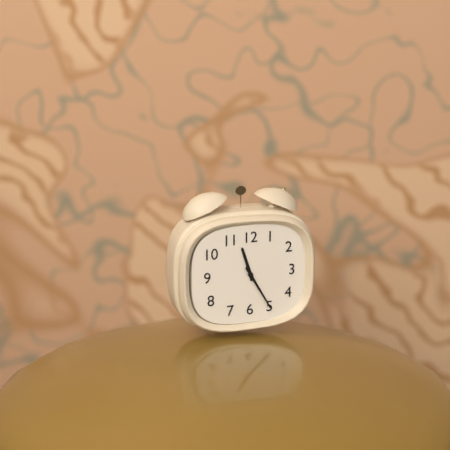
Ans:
11 h 25 min
